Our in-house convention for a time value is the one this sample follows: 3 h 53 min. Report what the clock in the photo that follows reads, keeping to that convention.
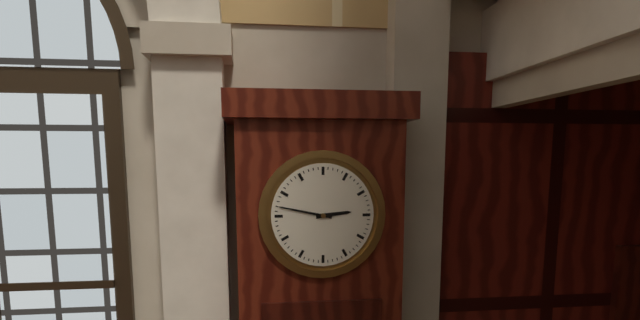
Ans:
2 h 47 min
